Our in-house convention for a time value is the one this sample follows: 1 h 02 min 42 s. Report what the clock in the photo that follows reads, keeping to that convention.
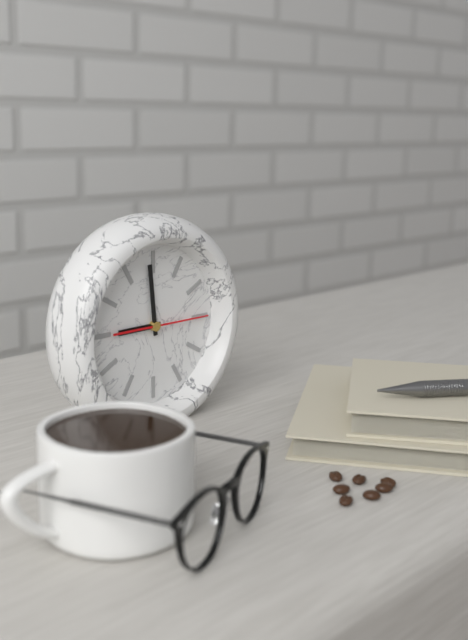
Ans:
8 h 59 min 15 s
